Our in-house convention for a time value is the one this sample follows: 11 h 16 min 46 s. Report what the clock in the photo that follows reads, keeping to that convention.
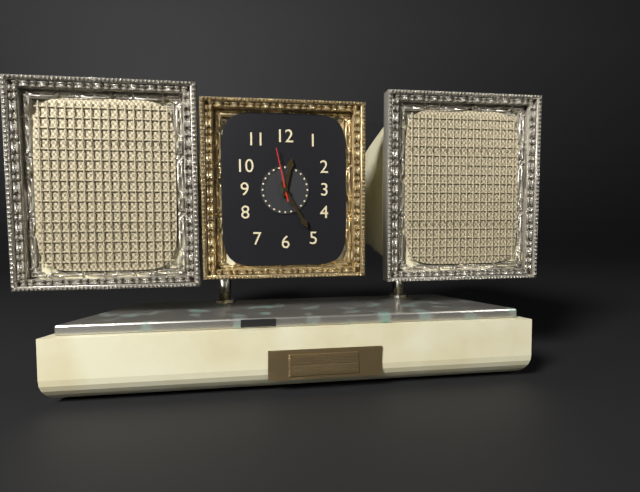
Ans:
12 h 25 min 58 s
